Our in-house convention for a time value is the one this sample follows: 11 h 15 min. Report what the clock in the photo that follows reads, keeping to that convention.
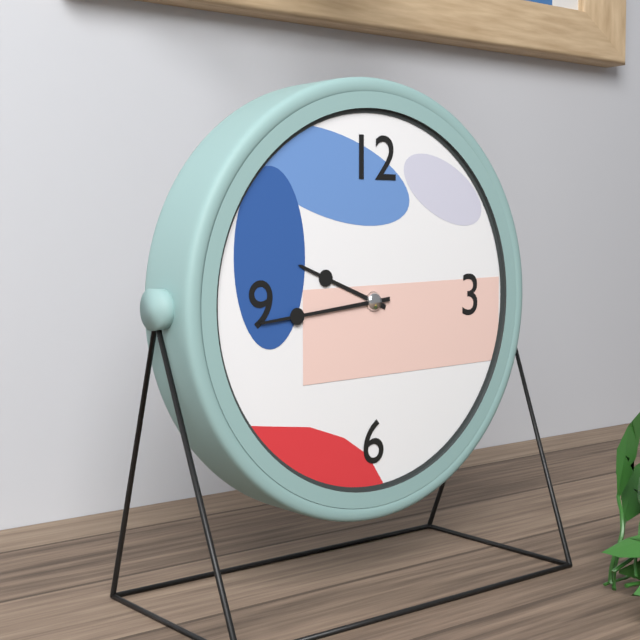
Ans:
9 h 44 min
